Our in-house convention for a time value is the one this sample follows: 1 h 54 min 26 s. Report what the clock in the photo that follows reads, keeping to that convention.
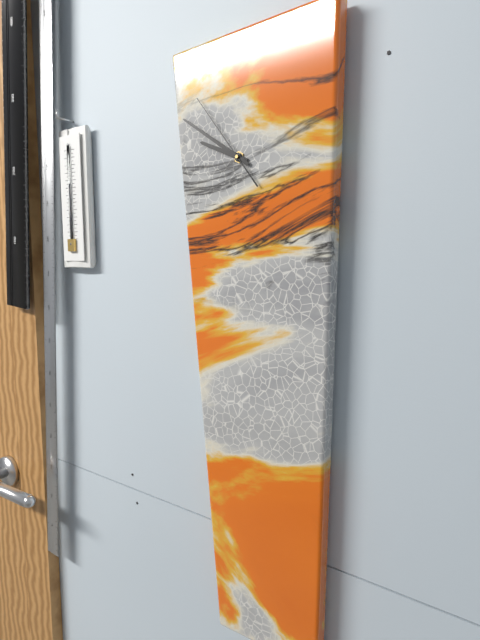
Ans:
9 h 51 min 54 s
